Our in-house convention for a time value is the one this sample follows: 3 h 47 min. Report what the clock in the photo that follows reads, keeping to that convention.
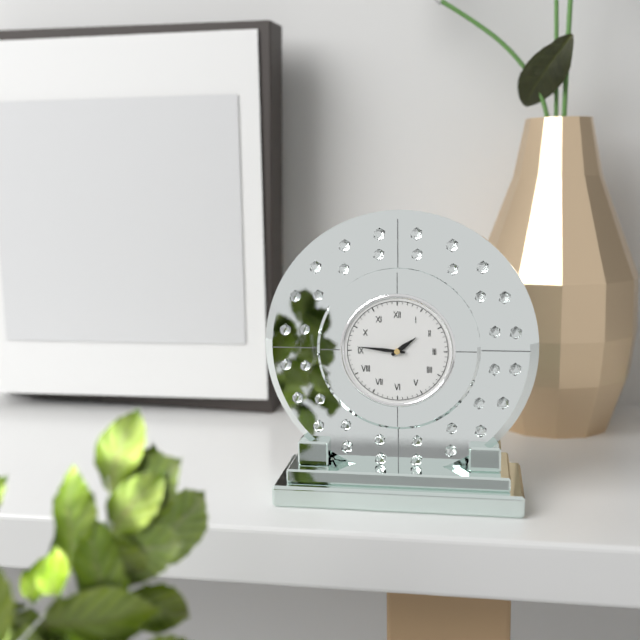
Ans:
1 h 46 min
